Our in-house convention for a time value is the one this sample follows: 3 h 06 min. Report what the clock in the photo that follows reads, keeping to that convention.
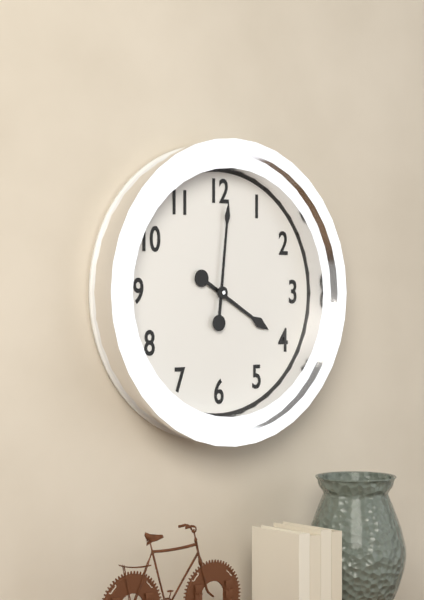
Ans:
4 h 01 min
